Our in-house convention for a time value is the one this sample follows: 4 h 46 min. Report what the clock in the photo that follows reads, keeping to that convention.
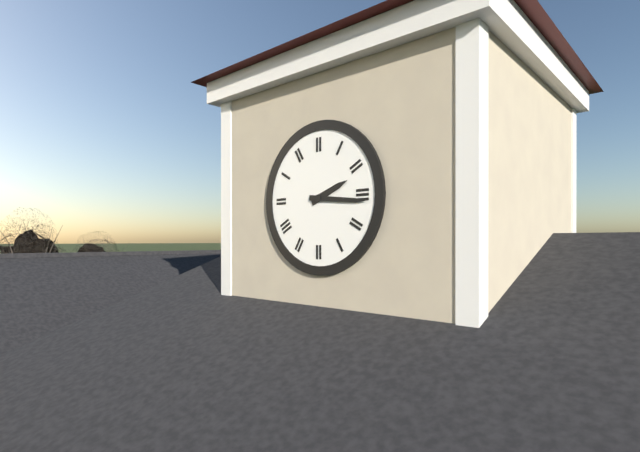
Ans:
2 h 16 min
